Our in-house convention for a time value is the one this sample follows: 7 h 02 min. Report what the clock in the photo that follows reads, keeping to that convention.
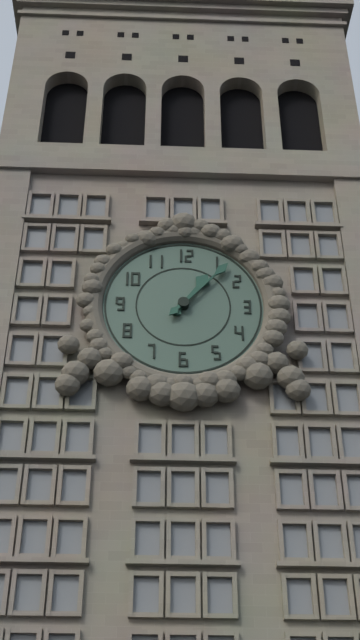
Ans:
1 h 07 min
